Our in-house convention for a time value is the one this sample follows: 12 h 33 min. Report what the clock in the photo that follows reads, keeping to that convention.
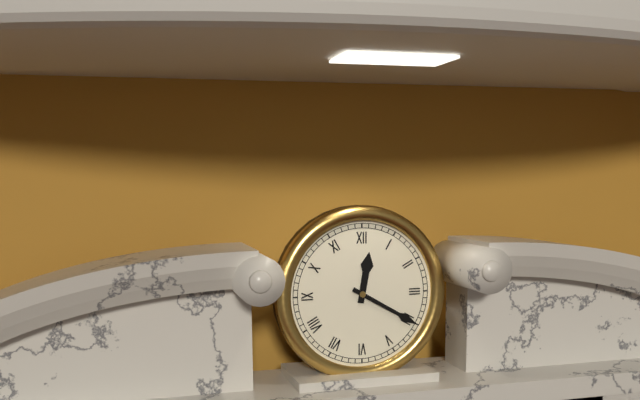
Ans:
12 h 20 min
